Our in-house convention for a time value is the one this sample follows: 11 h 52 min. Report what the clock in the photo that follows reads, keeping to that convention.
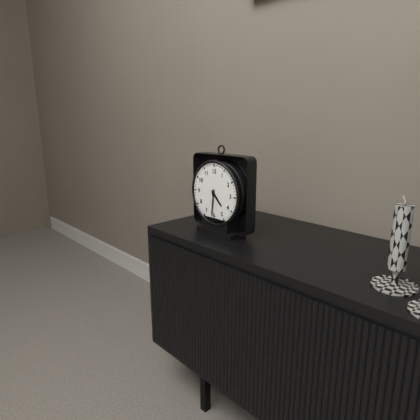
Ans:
4 h 31 min
